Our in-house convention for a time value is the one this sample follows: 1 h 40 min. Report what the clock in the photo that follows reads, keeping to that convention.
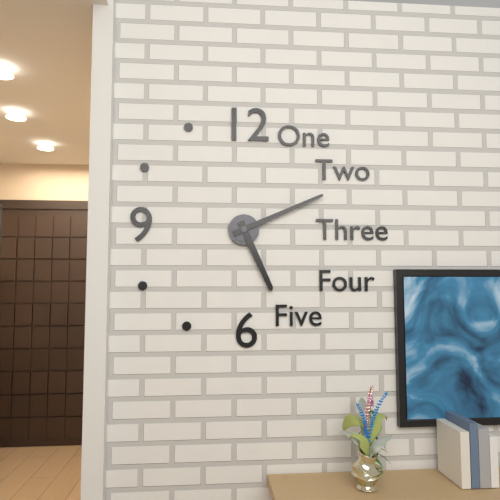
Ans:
5 h 11 min
